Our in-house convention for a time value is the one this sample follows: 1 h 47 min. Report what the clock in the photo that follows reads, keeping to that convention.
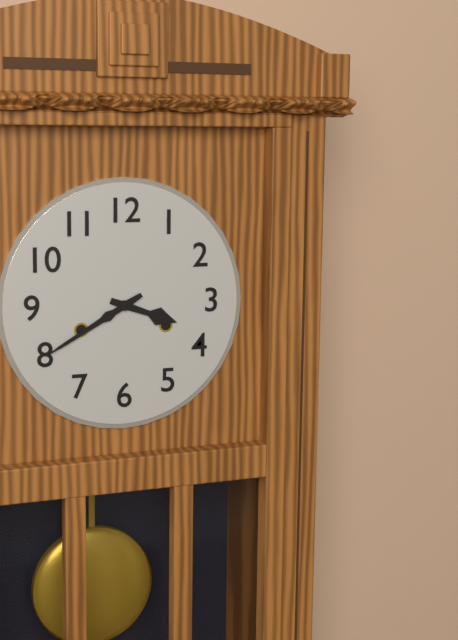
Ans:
3 h 40 min
